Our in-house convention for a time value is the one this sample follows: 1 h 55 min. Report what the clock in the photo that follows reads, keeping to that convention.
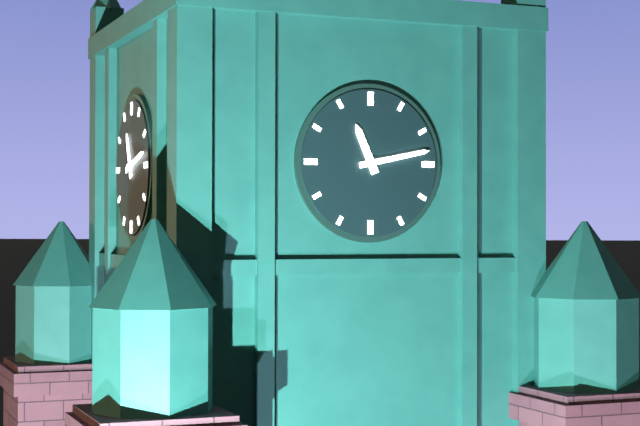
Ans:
11 h 13 min
